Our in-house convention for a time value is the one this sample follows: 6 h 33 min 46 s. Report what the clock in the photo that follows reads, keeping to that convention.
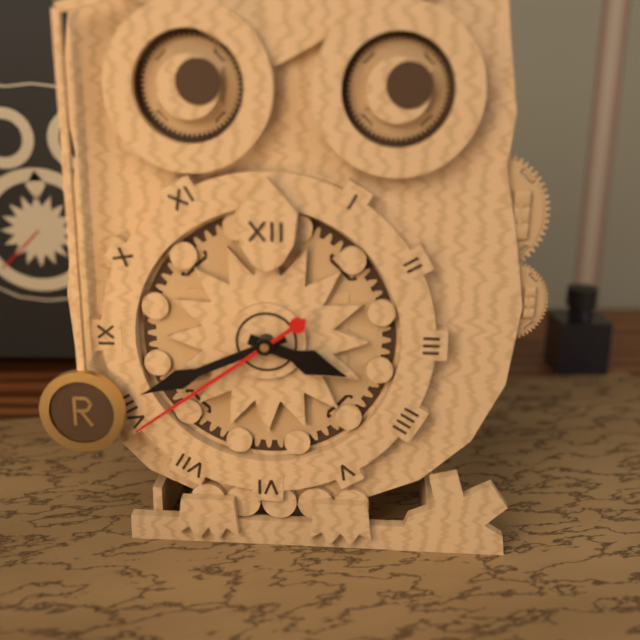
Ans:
3 h 41 min 39 s
